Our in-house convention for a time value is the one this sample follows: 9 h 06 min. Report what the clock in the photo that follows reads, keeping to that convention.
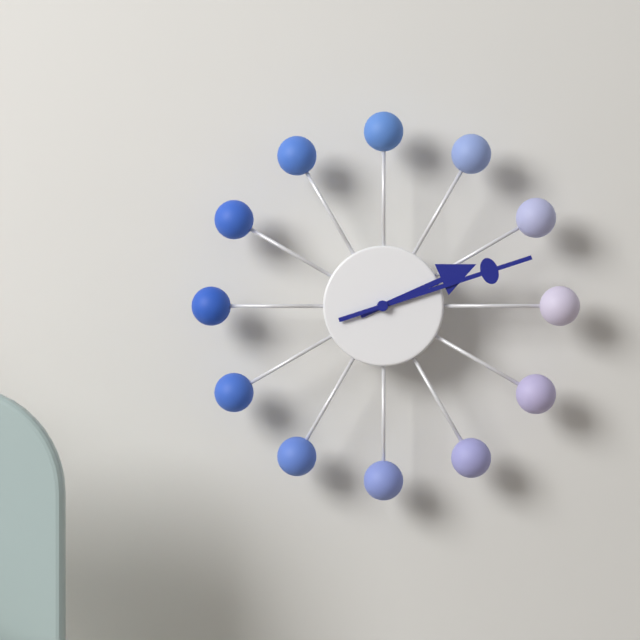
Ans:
2 h 12 min
